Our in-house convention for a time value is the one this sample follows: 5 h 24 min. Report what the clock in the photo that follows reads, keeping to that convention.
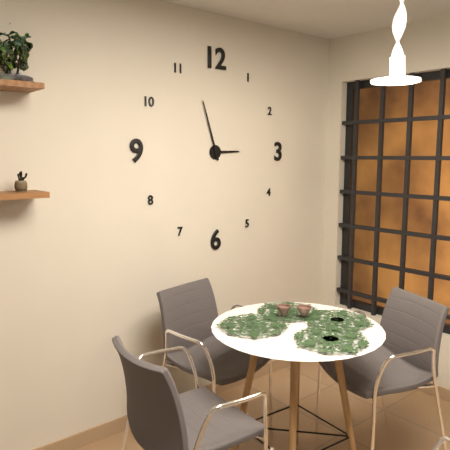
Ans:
2 h 57 min
